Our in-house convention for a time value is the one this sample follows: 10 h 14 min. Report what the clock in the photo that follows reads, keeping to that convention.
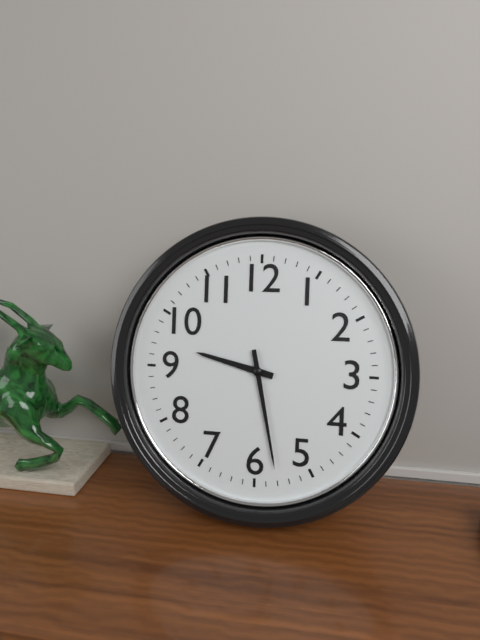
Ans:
9 h 28 min
